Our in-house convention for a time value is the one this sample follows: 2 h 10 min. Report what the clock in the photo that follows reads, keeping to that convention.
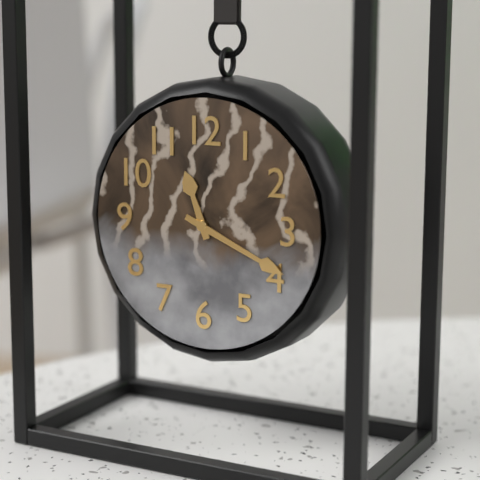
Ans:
11 h 19 min
